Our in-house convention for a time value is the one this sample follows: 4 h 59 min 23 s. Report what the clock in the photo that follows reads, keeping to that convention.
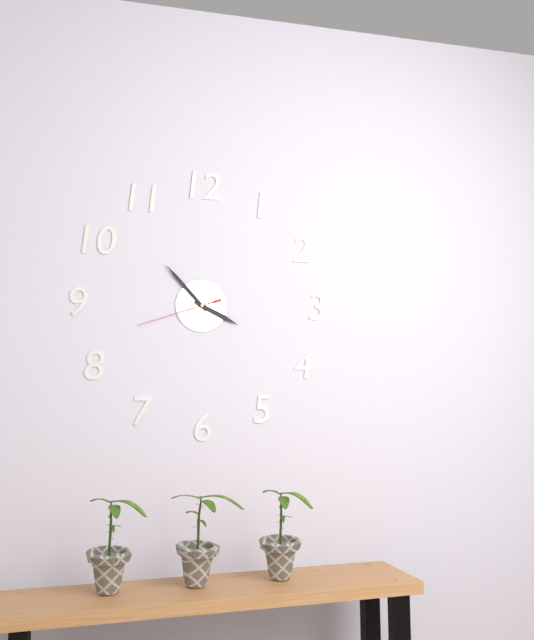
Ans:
3 h 53 min 42 s
